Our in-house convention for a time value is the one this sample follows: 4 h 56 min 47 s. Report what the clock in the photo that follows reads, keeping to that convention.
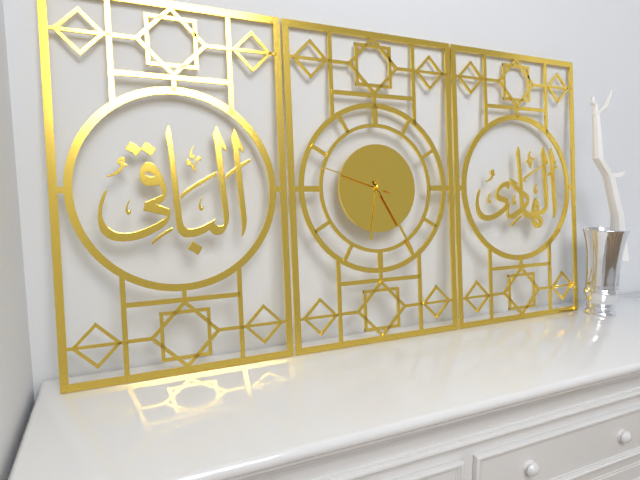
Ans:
6 h 25 min 48 s
